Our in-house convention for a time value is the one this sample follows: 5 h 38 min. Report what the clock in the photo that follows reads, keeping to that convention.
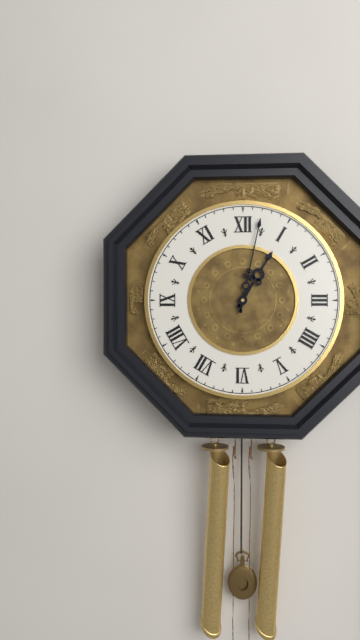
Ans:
1 h 02 min
